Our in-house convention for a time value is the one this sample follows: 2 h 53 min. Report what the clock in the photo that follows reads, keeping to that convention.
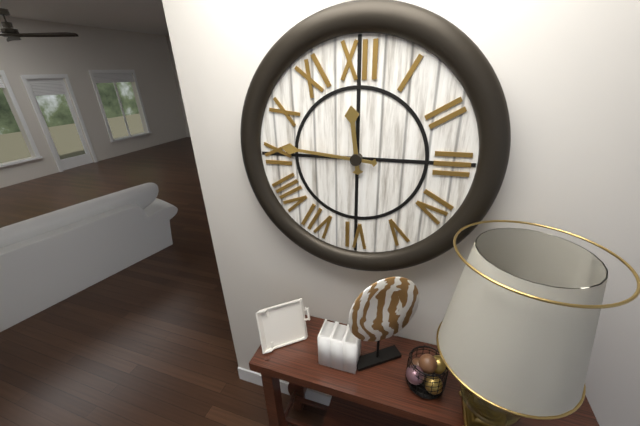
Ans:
11 h 46 min
